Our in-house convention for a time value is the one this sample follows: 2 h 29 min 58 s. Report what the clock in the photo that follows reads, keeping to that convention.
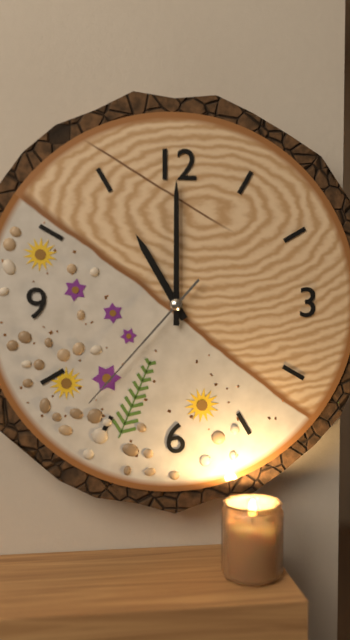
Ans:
11 h 00 min 37 s
